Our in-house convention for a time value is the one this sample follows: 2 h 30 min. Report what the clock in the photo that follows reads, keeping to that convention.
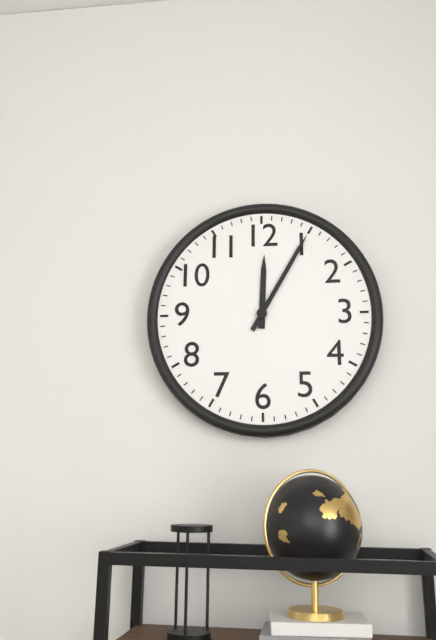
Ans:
12 h 05 min
